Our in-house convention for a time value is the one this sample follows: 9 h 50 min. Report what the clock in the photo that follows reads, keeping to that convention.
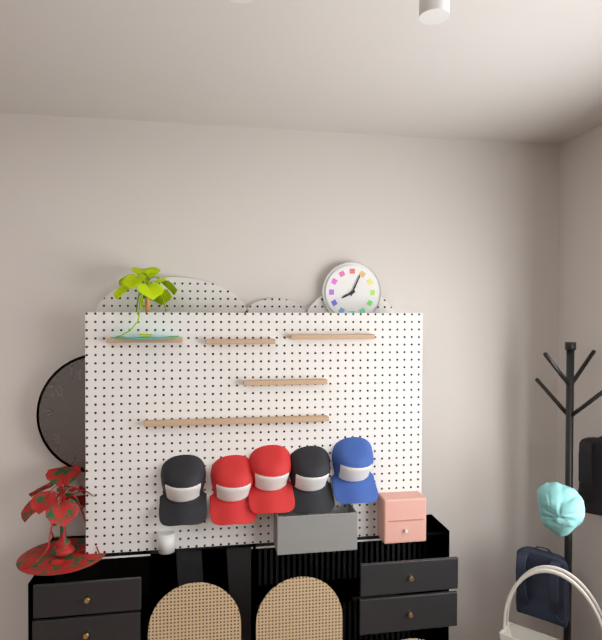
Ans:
8 h 04 min
